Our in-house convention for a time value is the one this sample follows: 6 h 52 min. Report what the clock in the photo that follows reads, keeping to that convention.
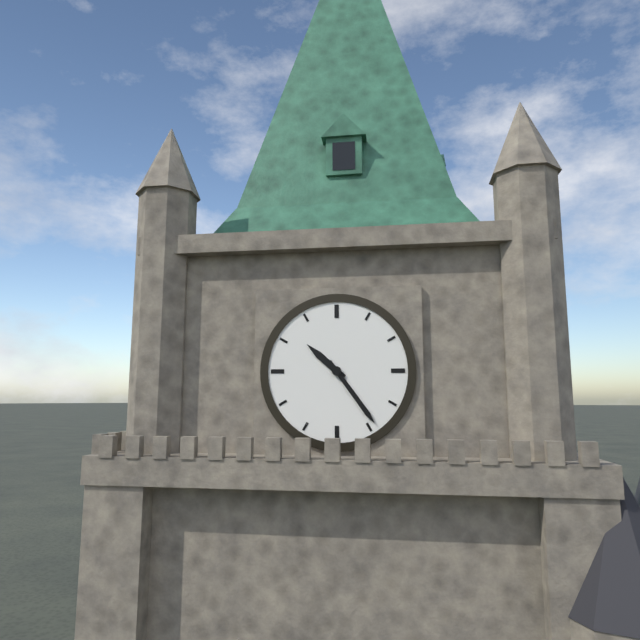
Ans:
10 h 24 min
